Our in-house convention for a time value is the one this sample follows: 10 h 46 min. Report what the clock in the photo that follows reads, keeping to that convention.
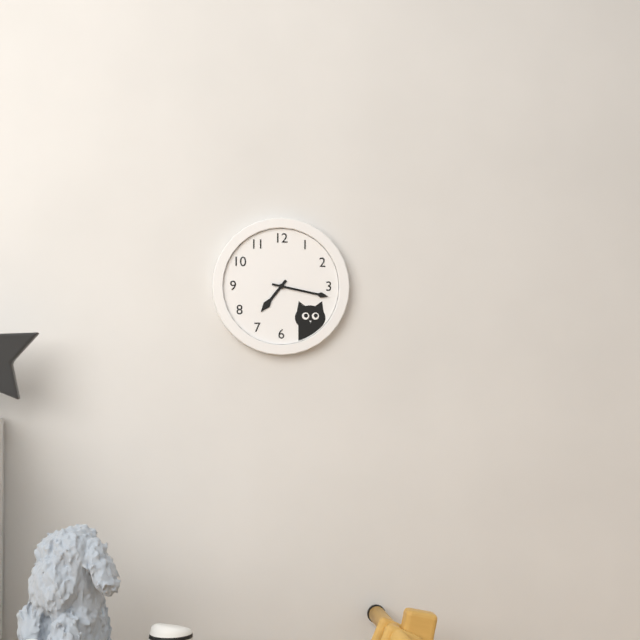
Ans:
7 h 17 min
